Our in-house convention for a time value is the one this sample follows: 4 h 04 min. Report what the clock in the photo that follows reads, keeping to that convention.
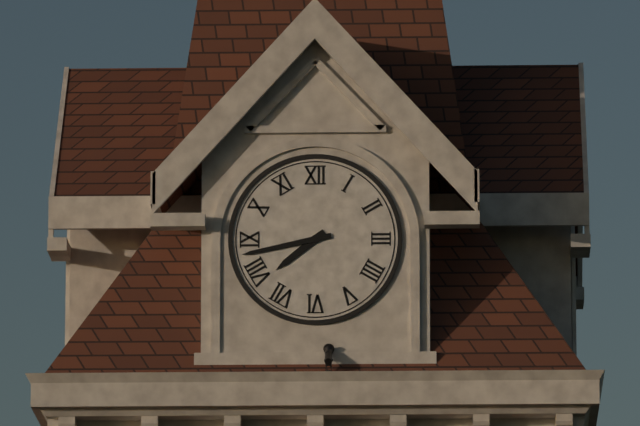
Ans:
7 h 43 min
